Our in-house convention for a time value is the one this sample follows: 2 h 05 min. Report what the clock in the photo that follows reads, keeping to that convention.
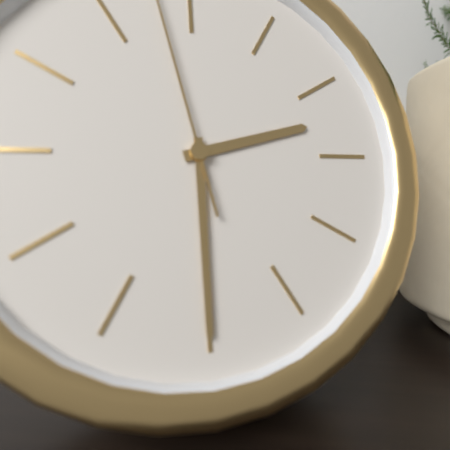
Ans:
2 h 30 min
